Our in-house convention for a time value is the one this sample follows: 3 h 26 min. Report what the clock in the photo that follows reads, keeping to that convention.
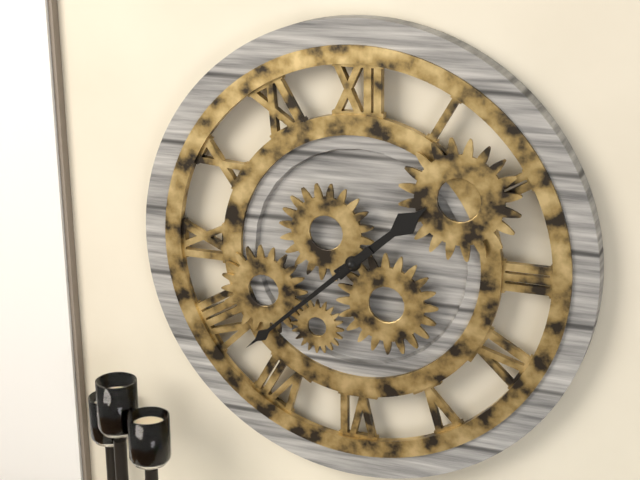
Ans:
1 h 38 min
